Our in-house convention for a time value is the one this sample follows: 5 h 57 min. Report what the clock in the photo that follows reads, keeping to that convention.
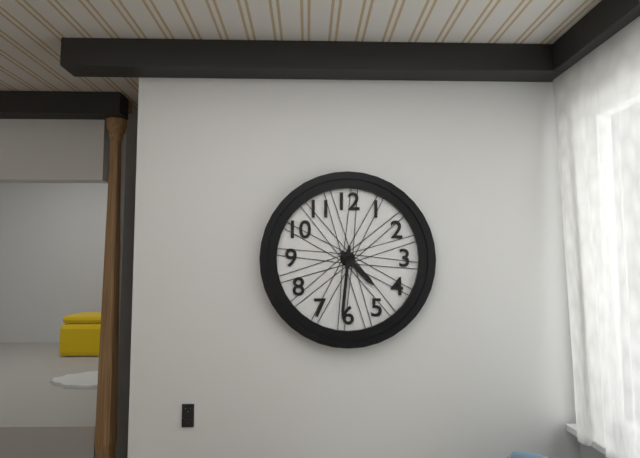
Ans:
4 h 31 min
